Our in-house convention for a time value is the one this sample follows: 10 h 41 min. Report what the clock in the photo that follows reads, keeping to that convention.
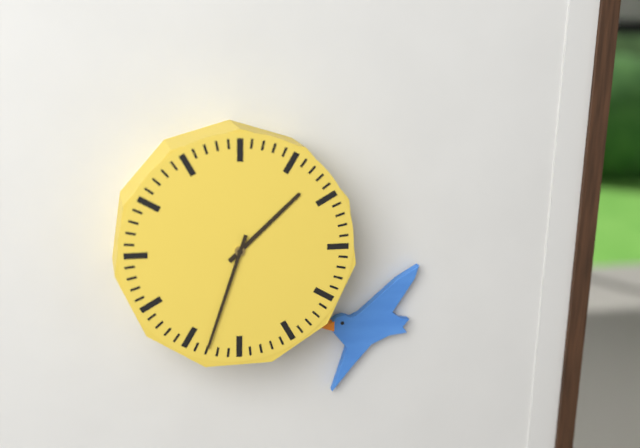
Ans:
1 h 33 min
